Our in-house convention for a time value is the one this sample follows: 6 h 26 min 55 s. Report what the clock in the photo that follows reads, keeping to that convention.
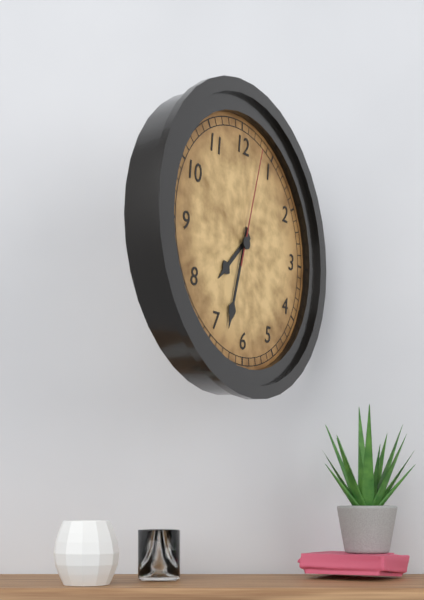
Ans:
7 h 33 min 03 s
